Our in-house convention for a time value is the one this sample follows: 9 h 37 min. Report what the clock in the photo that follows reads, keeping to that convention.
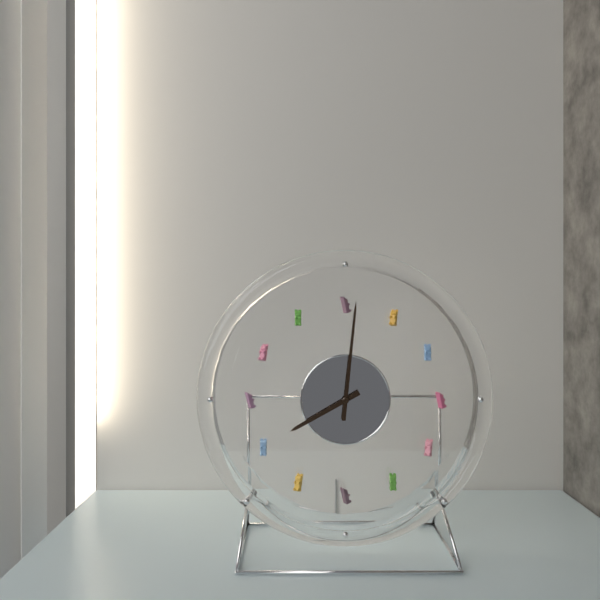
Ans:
8 h 01 min
